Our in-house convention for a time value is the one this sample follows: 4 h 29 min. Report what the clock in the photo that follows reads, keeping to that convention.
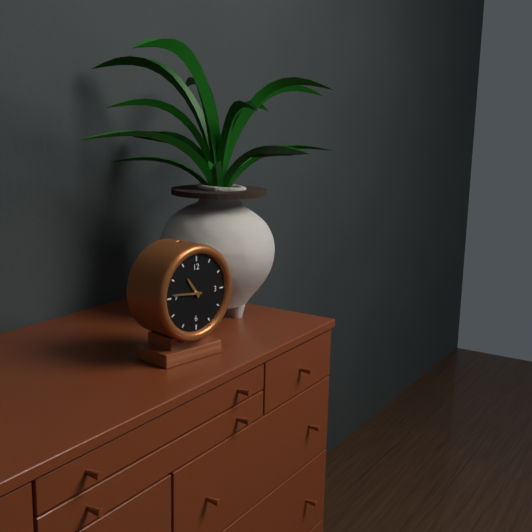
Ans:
10 h 46 min
